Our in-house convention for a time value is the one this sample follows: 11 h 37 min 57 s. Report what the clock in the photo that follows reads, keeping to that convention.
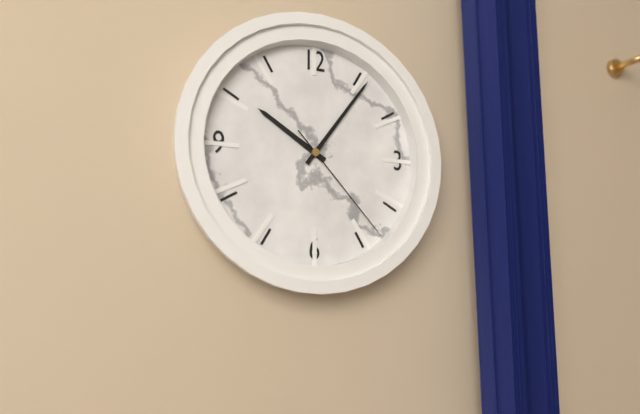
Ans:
10 h 06 min 23 s
